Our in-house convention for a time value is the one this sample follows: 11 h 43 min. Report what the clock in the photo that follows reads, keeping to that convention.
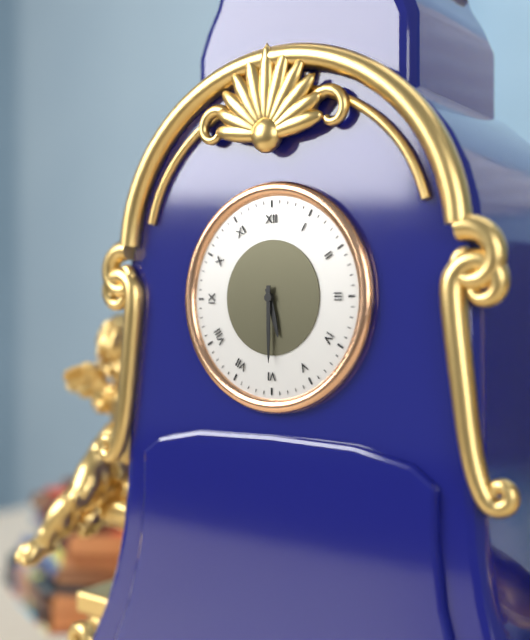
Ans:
5 h 30 min
